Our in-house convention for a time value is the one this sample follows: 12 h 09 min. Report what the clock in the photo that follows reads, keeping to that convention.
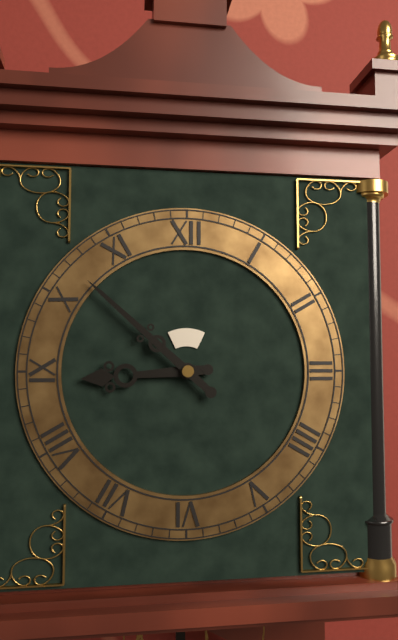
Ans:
8 h 52 min
